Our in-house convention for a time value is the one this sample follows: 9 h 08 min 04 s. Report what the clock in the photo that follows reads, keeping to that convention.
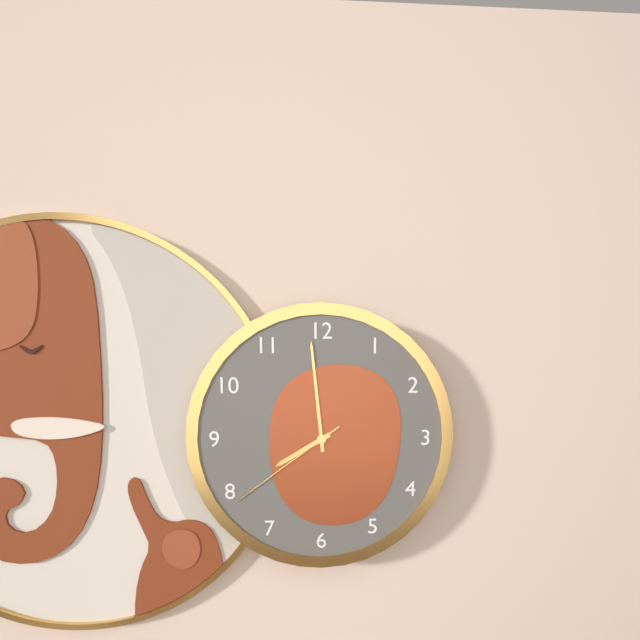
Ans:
7 h 59 min 39 s
